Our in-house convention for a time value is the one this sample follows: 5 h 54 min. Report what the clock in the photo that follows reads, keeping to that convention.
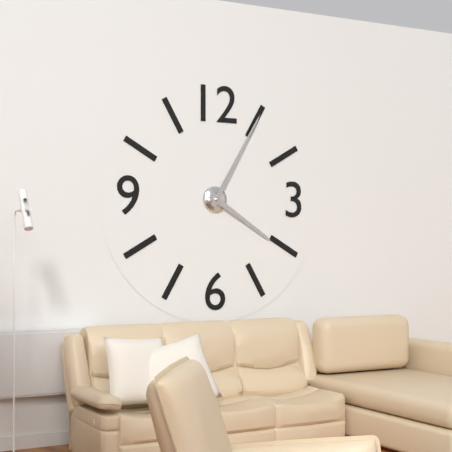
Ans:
4 h 05 min
